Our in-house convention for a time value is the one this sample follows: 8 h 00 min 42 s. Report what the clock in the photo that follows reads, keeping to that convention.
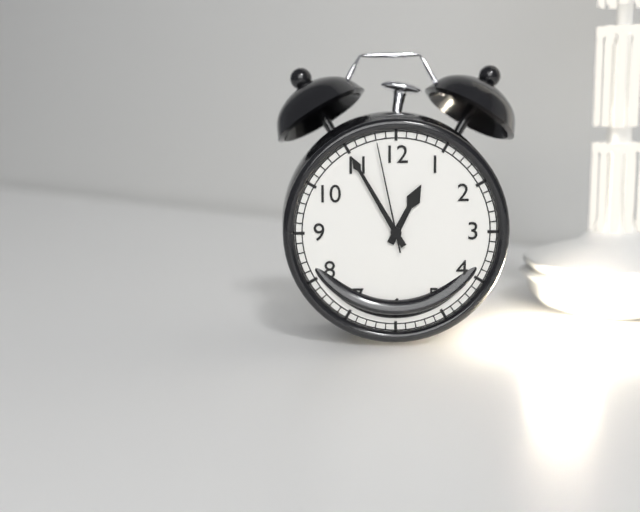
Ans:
12 h 55 min 58 s
